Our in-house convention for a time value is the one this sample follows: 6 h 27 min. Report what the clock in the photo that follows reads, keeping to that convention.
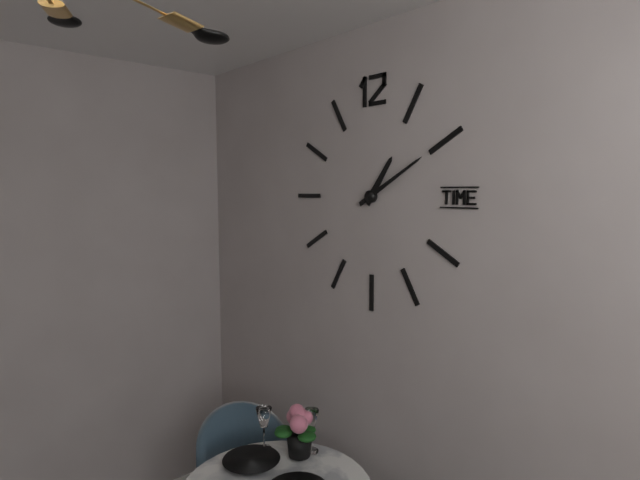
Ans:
1 h 10 min
